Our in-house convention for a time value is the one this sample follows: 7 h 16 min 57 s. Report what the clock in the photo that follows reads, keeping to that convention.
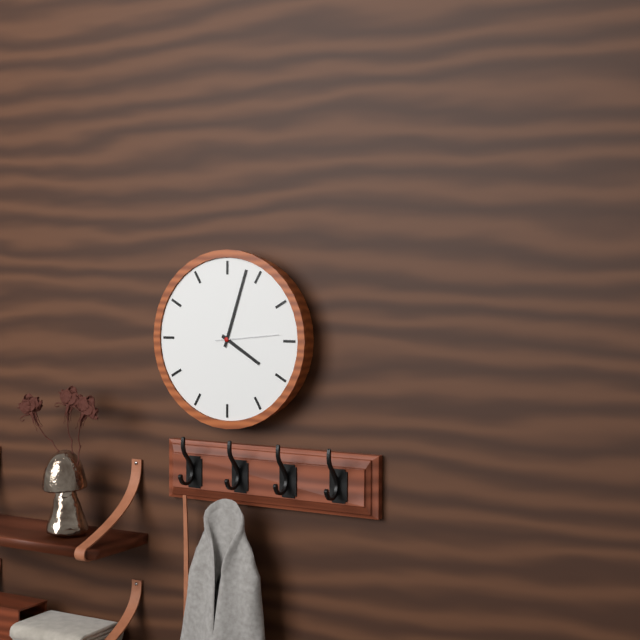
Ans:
4 h 03 min 14 s
